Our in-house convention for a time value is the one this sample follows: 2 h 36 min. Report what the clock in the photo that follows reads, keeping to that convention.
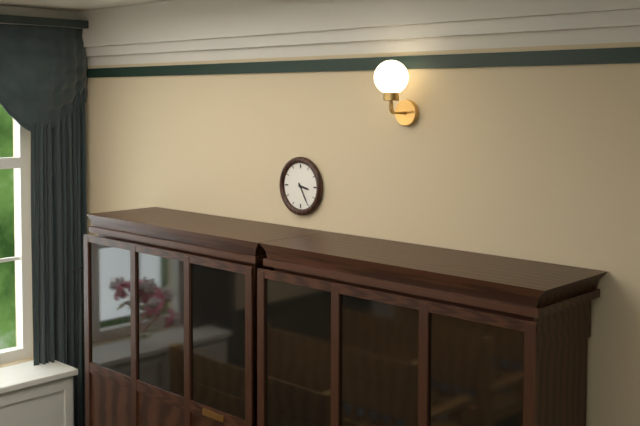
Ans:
3 h 25 min
